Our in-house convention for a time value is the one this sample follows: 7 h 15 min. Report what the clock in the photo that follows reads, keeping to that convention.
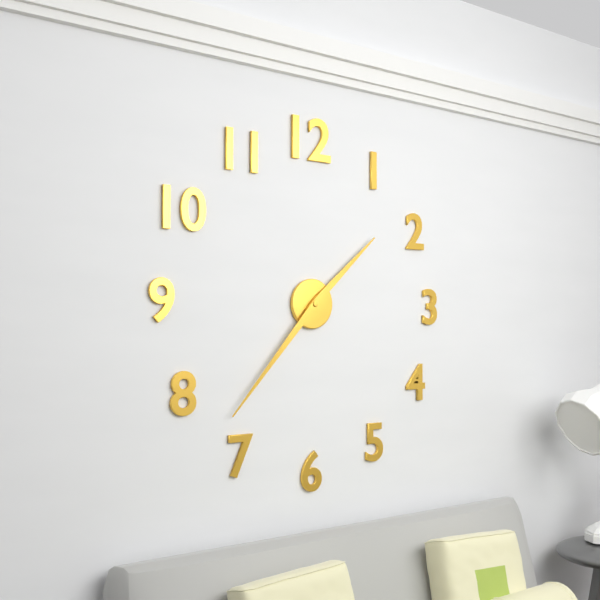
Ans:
1 h 37 min
